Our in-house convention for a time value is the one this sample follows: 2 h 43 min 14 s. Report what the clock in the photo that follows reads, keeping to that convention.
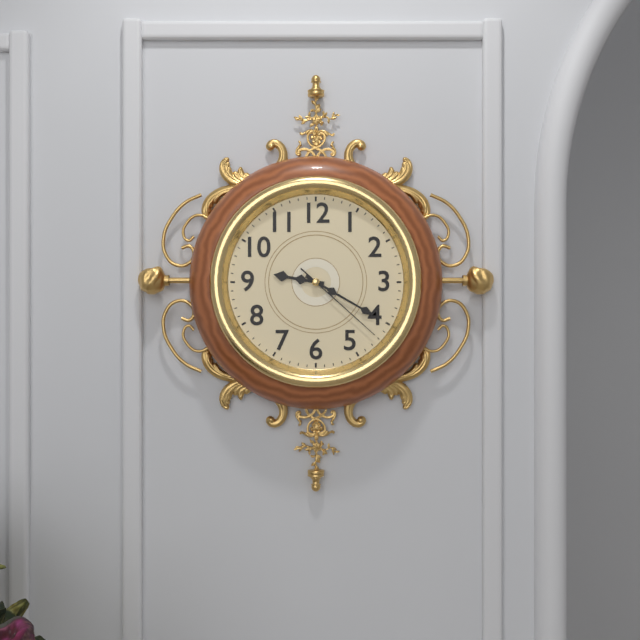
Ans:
9 h 20 min 22 s
